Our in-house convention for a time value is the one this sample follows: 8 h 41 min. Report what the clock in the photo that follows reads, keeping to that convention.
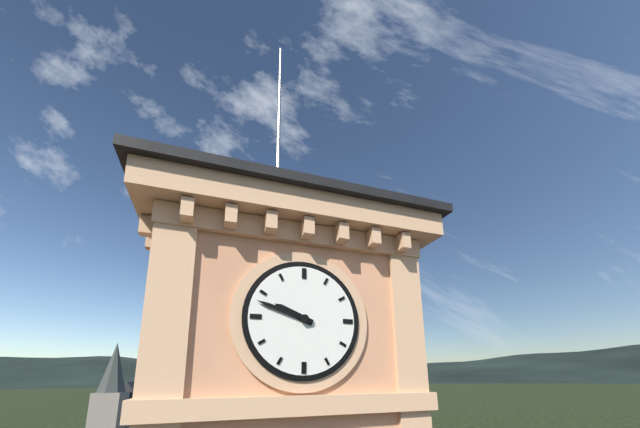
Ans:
9 h 48 min
